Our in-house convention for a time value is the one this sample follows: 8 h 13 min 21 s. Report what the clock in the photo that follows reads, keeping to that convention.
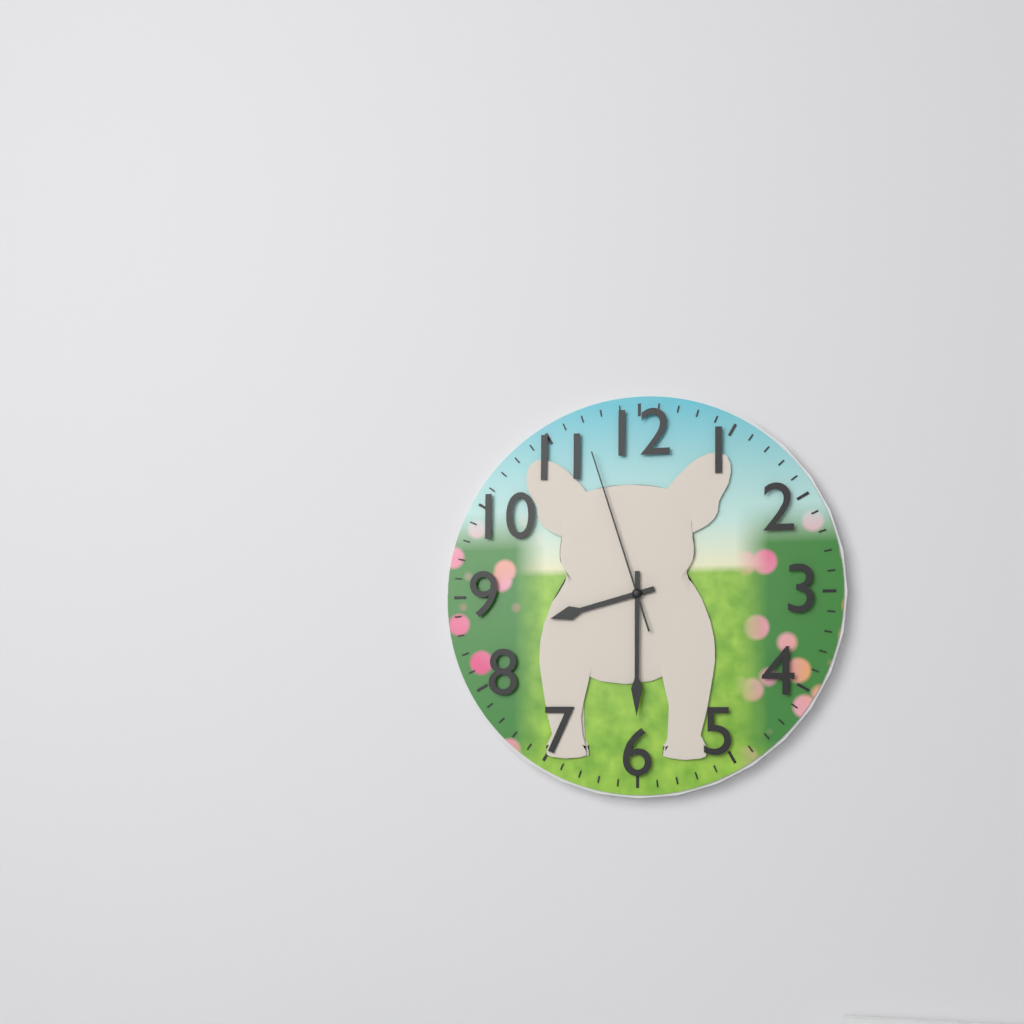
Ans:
8 h 30 min 57 s
